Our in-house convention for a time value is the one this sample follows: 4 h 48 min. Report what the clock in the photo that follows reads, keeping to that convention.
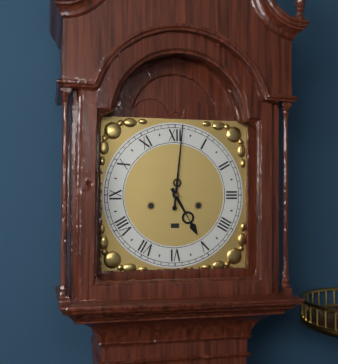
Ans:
5 h 01 min
